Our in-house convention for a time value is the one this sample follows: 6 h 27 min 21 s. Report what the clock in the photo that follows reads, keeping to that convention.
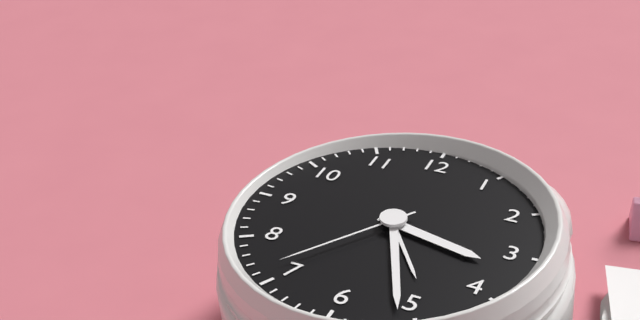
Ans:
3 h 26 min 36 s
